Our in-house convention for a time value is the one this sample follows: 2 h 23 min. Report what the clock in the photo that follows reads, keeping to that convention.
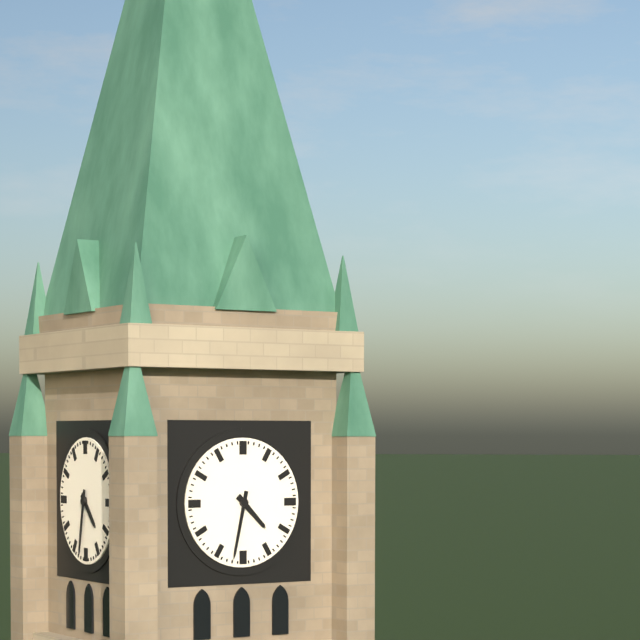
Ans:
4 h 32 min
